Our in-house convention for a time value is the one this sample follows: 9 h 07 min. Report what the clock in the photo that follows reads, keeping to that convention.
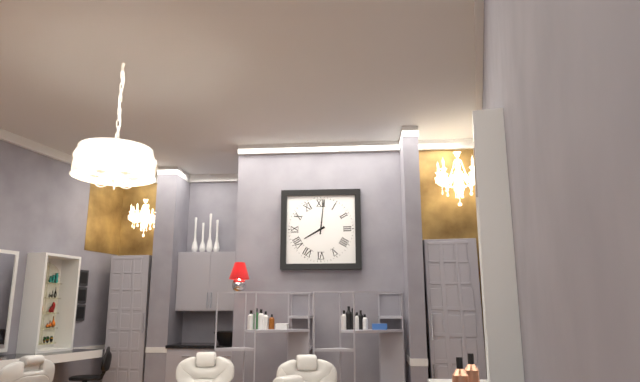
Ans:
8 h 01 min
